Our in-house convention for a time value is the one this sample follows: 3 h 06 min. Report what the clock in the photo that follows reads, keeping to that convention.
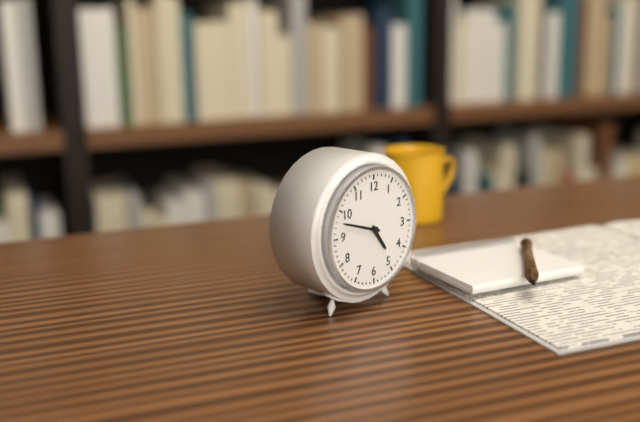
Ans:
4 h 48 min
